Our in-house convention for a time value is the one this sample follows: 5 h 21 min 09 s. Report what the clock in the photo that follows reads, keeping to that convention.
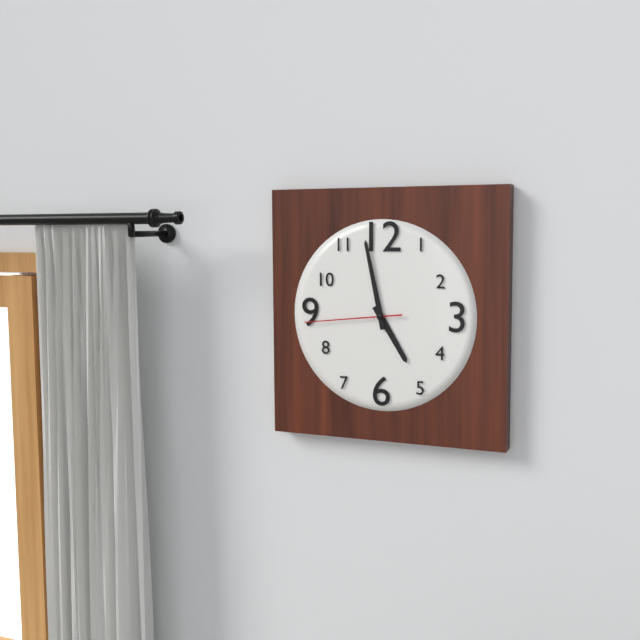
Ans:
4 h 58 min 44 s
